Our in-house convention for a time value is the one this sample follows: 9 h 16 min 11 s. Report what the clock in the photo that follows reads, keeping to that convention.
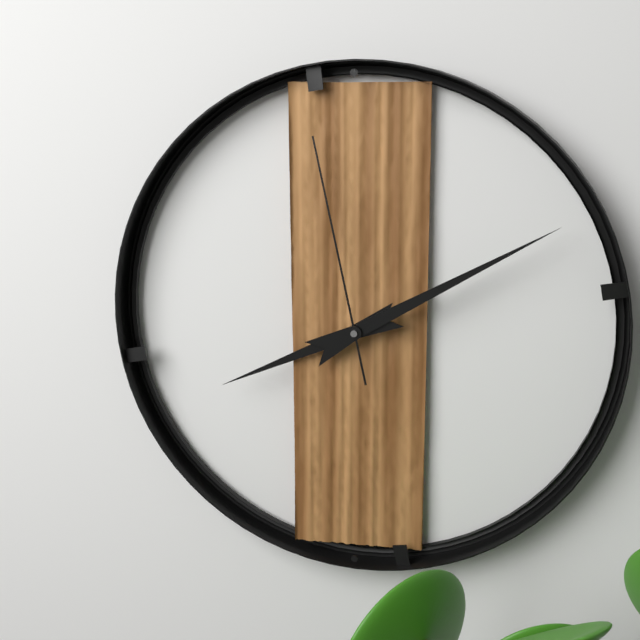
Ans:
8 h 10 min 58 s
